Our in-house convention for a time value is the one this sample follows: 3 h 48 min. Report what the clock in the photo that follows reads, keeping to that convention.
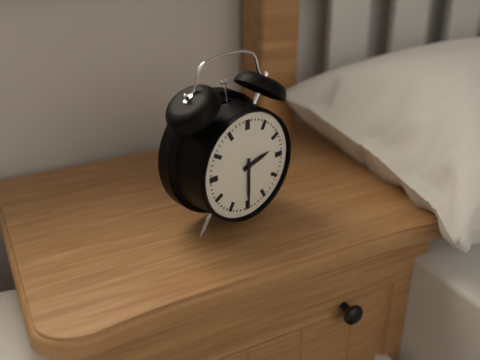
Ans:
2 h 30 min
